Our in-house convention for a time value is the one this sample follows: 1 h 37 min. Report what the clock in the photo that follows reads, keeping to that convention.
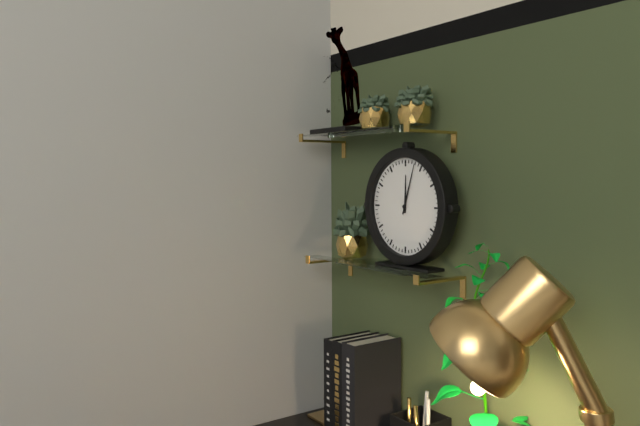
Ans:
12 h 03 min
